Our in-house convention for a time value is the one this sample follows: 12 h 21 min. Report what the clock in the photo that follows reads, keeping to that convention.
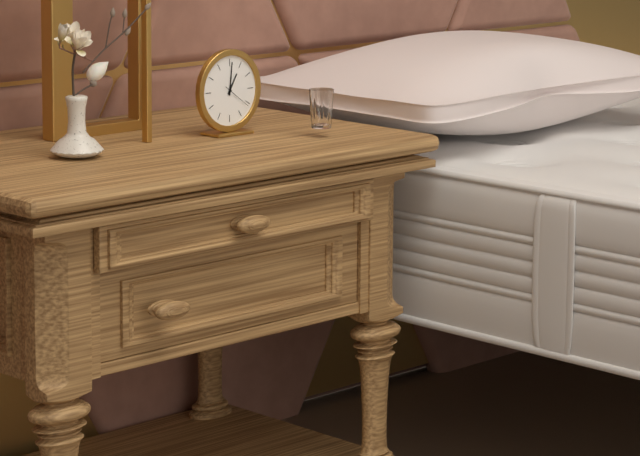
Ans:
1 h 01 min
